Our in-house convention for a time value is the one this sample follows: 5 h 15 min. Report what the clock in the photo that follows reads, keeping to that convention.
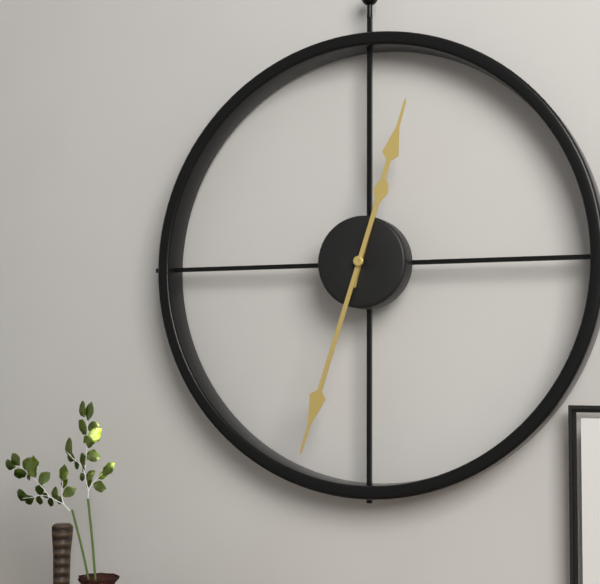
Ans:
12 h 33 min
